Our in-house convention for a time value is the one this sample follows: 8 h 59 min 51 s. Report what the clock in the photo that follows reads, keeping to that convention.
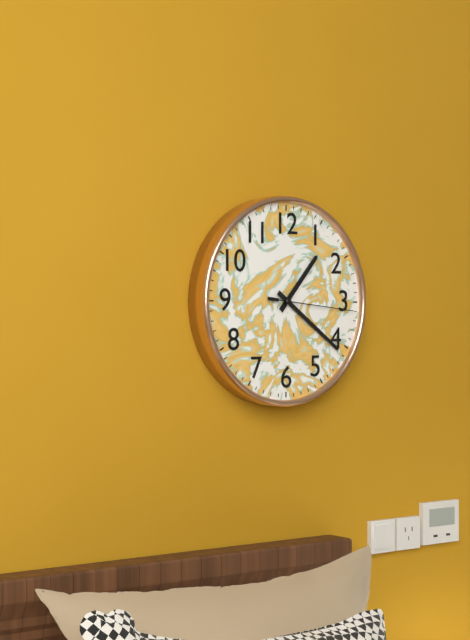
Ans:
1 h 21 min 16 s
